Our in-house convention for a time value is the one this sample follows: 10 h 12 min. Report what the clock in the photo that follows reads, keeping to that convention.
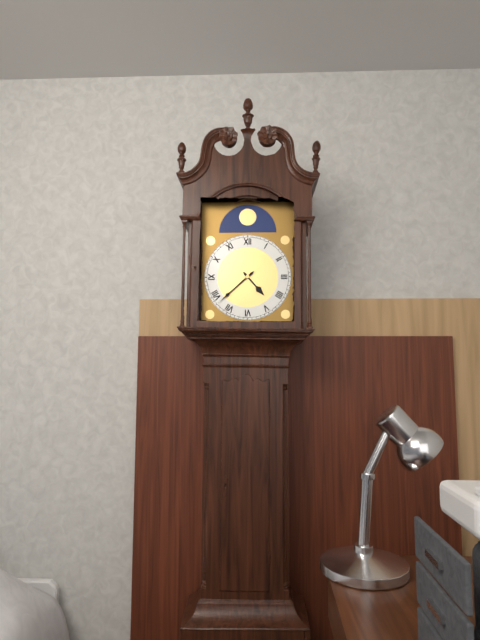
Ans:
4 h 38 min
